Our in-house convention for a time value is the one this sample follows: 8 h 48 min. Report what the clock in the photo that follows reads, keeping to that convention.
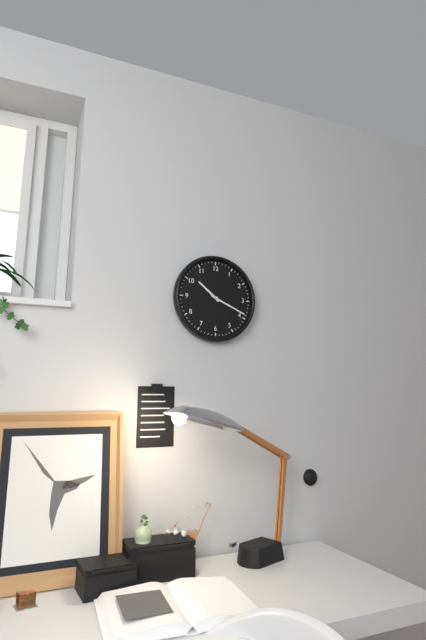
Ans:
10 h 19 min
